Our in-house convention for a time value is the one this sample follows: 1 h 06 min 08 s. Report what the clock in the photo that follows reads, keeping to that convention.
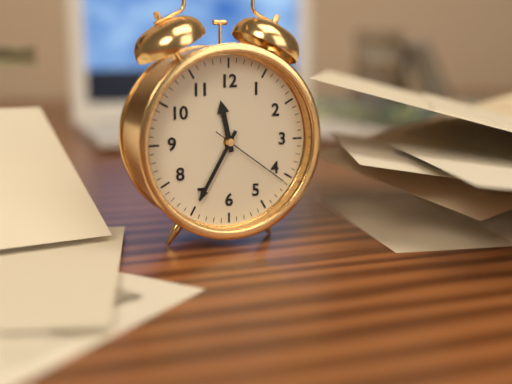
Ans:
11 h 35 min 21 s
